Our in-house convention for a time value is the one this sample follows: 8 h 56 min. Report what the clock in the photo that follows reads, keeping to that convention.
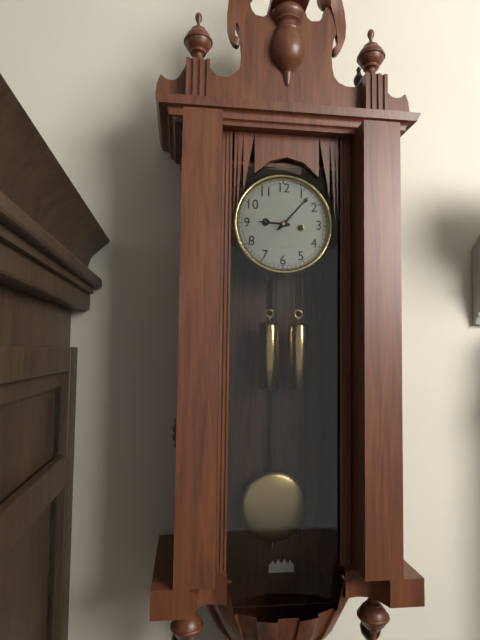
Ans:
9 h 07 min
